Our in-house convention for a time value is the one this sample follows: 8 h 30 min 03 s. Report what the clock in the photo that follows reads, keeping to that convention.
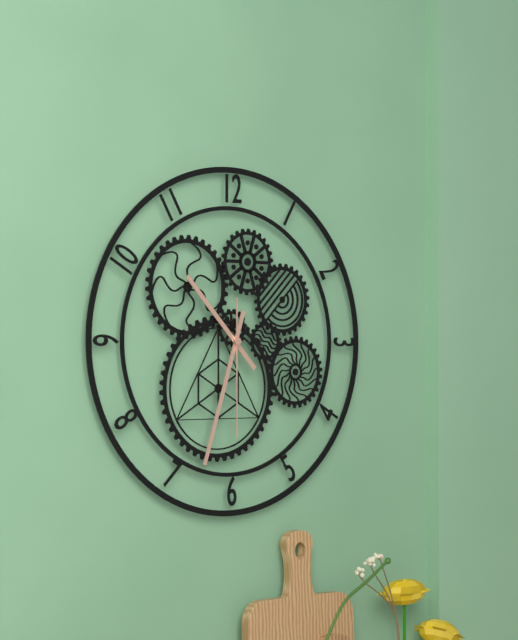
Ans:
10 h 33 min 30 s
